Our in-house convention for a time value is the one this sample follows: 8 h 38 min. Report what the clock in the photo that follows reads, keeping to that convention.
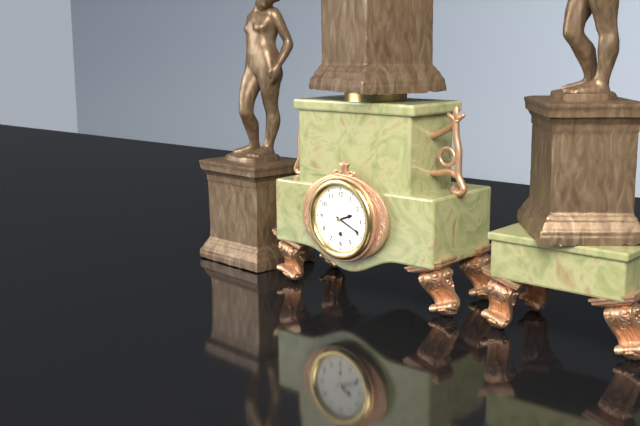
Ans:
2 h 19 min
